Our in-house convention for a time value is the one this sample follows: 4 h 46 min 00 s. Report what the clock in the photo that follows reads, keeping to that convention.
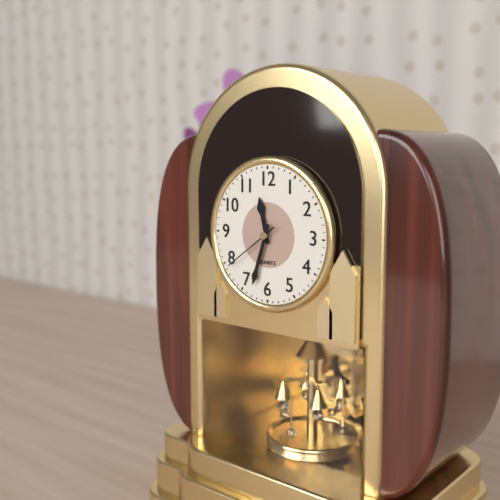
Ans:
11 h 33 min 39 s
